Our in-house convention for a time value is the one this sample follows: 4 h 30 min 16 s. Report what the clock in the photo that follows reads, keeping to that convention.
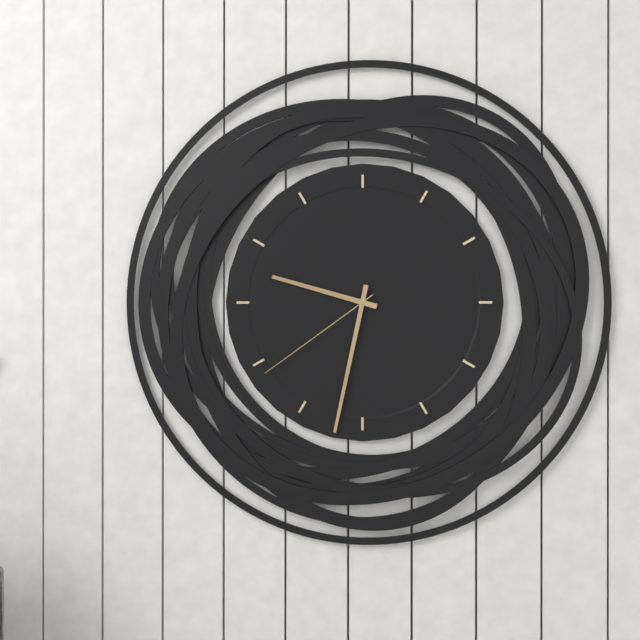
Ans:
9 h 32 min 39 s
